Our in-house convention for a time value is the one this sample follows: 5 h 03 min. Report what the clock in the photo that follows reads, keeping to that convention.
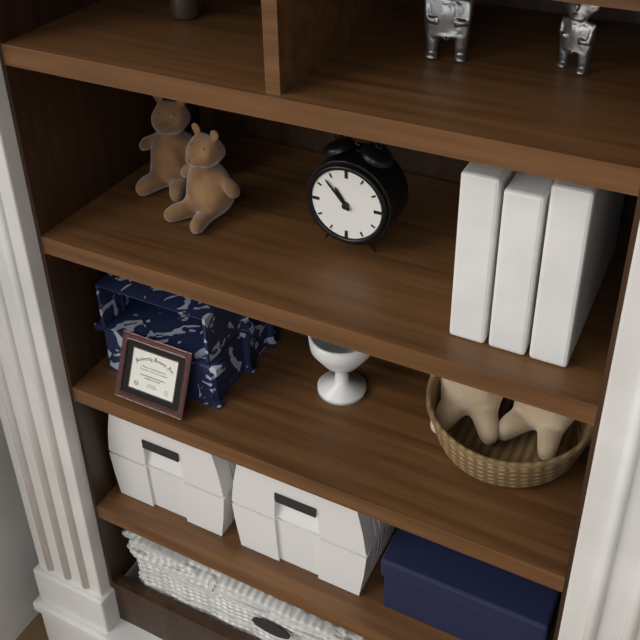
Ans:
10 h 53 min
